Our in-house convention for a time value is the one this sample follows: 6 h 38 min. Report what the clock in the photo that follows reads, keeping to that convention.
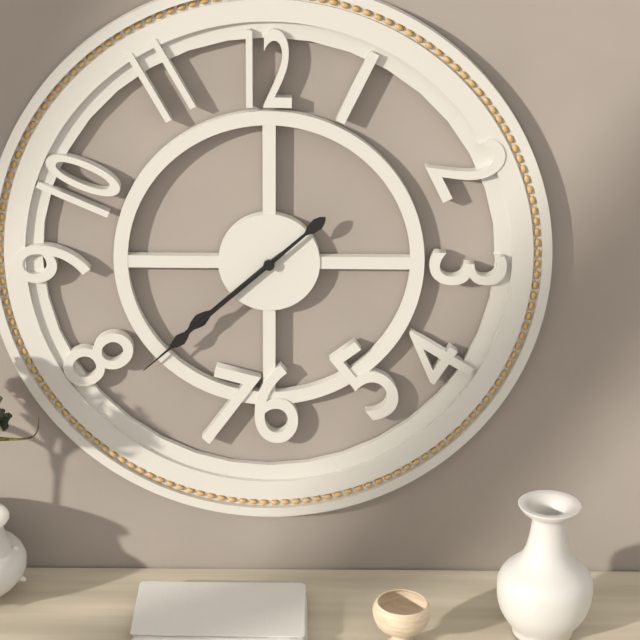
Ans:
7 h 38 min
